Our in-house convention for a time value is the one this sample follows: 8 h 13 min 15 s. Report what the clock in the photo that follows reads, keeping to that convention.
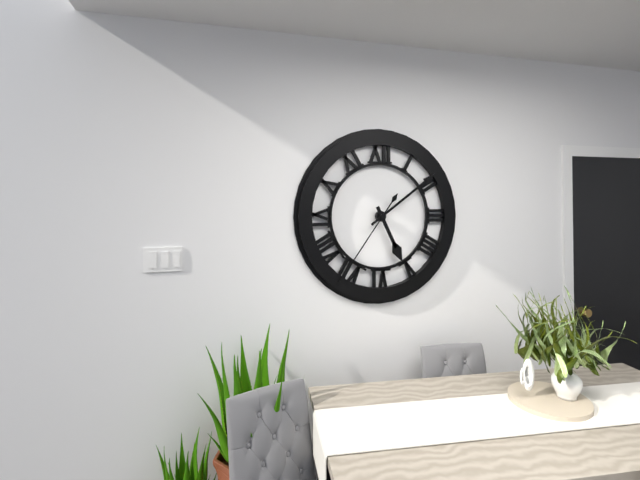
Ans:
5 h 09 min 36 s
